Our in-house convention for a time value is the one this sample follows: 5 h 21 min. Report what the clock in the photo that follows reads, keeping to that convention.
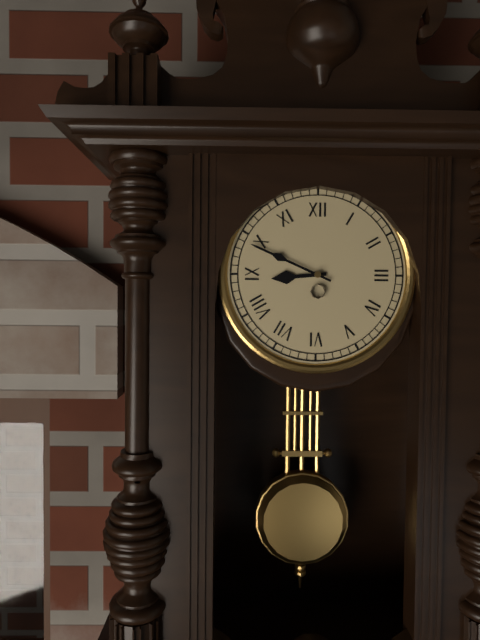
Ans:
8 h 49 min
